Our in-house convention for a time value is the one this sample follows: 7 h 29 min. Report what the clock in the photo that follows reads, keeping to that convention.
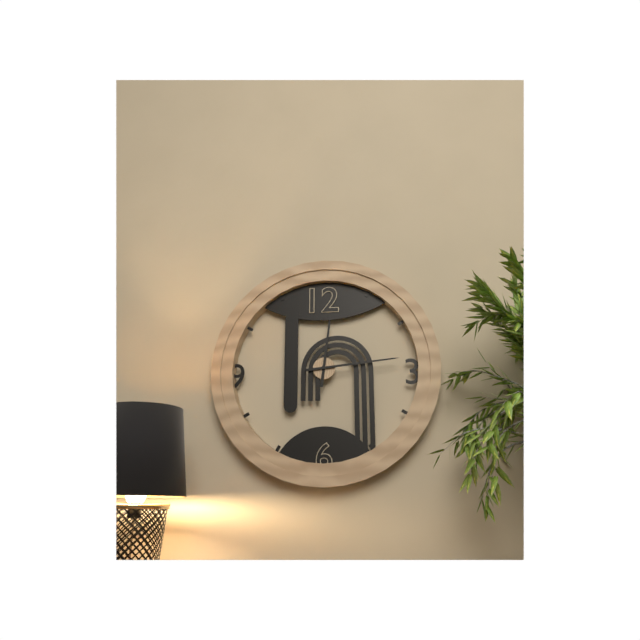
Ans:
12 h 14 min
